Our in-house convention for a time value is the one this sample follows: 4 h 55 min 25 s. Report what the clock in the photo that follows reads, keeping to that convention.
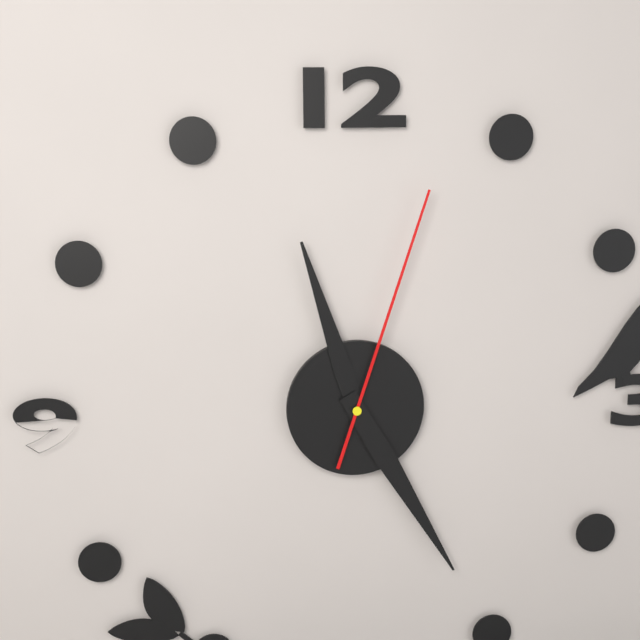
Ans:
11 h 25 min 03 s
